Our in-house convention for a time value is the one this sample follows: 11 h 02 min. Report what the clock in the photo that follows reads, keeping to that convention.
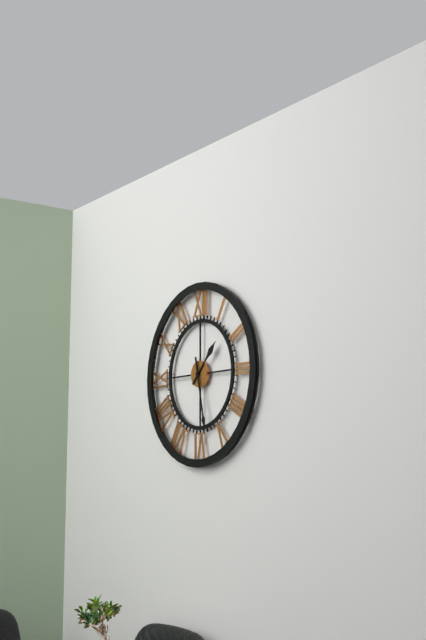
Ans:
1 h 28 min
